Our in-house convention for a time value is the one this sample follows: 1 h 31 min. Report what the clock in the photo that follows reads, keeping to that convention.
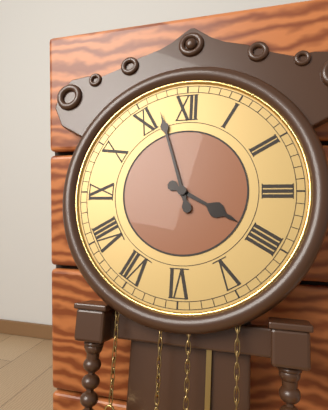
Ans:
3 h 57 min
